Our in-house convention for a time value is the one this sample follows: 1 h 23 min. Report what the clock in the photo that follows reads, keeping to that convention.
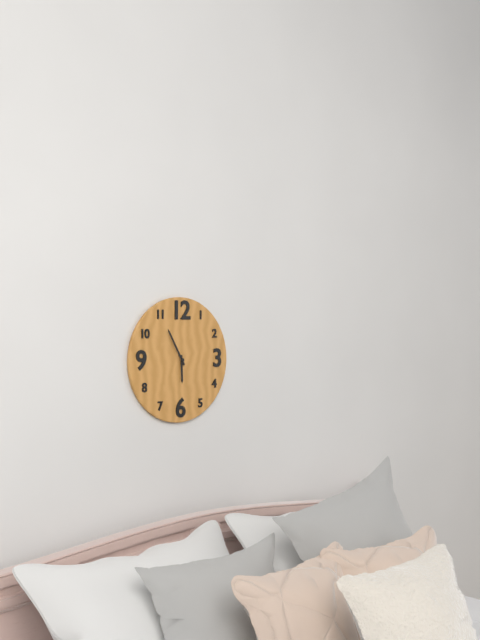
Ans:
5 h 55 min
